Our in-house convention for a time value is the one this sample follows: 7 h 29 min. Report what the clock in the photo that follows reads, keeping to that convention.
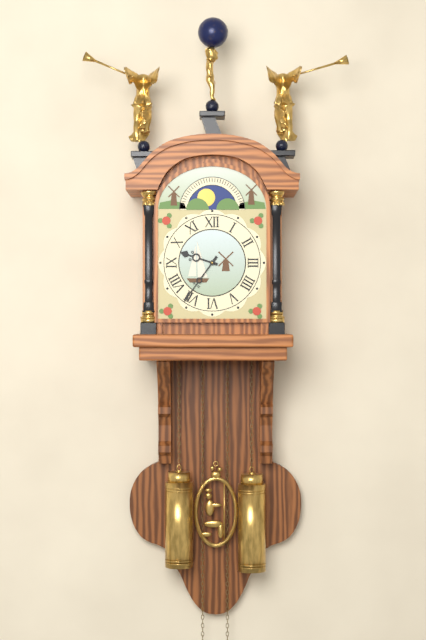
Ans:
9 h 36 min
